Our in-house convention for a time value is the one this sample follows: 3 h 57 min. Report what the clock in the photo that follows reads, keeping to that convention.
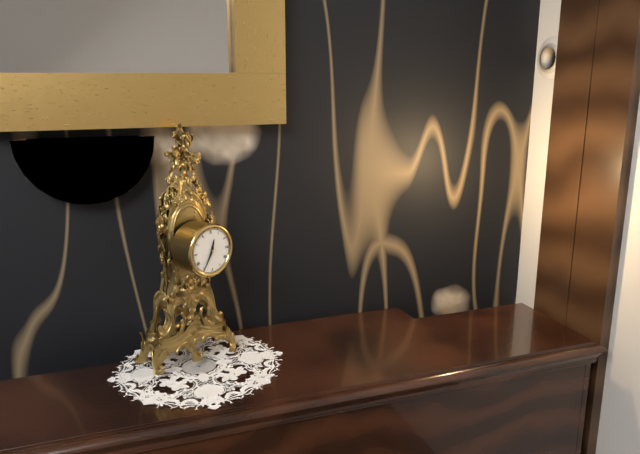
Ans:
12 h 35 min
